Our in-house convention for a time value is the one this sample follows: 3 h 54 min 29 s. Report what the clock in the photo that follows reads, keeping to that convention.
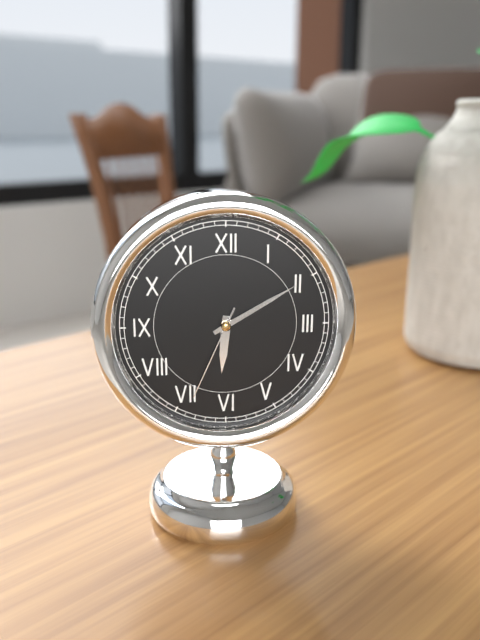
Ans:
6 h 10 min 34 s
